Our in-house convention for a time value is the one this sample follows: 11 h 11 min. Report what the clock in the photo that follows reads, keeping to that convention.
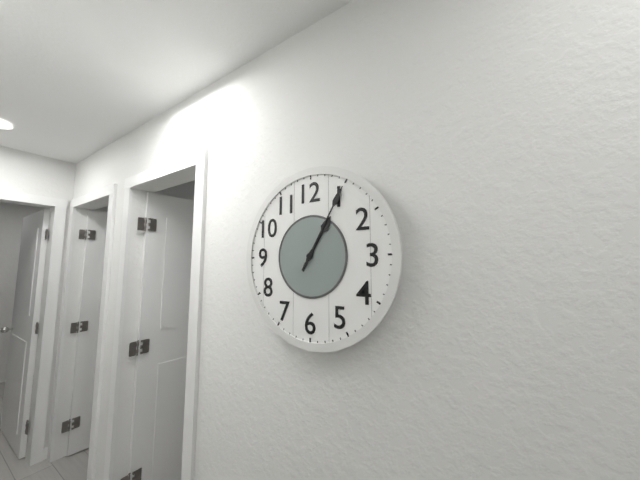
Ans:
1 h 05 min
